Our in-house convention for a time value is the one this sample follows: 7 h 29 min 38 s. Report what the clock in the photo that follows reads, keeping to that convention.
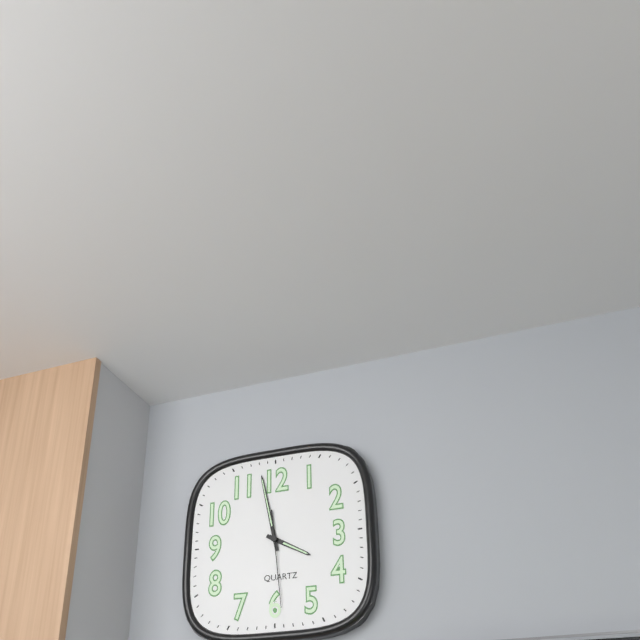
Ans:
3 h 58 min 29 s
